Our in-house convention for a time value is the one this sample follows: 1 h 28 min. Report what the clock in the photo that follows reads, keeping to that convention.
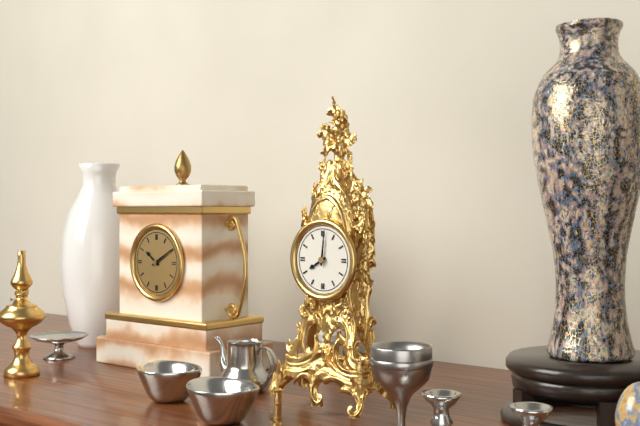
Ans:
8 h 01 min
